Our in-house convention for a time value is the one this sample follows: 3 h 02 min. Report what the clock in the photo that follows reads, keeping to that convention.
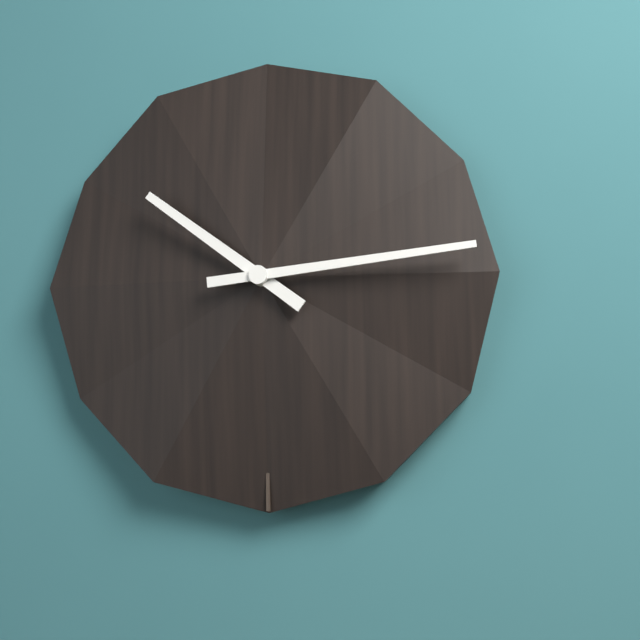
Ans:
10 h 14 min
